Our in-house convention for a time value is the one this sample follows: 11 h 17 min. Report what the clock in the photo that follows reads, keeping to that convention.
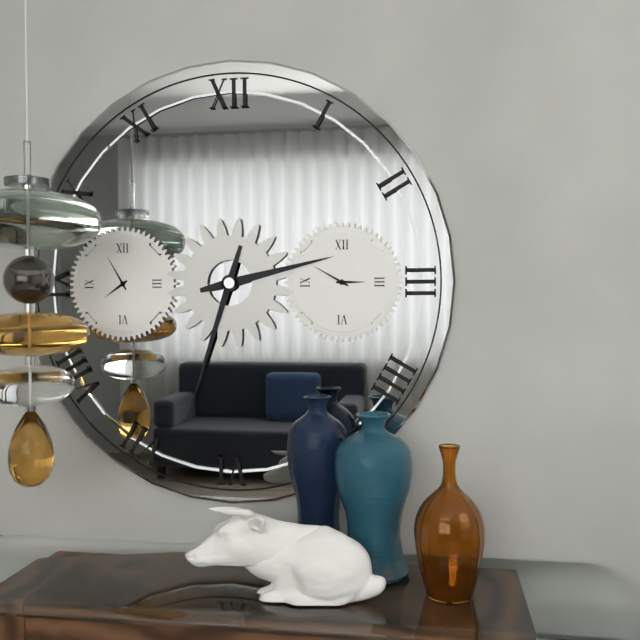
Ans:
2 h 33 min
